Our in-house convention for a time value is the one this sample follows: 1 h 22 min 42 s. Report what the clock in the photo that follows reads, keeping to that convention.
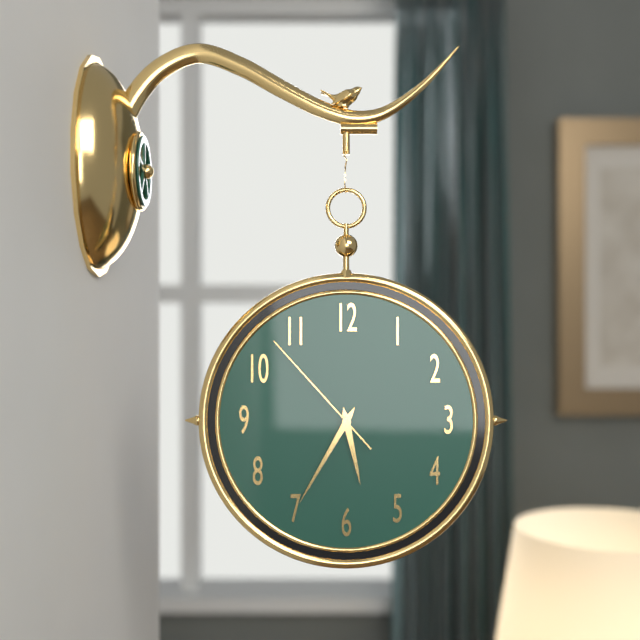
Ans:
5 h 35 min 53 s
